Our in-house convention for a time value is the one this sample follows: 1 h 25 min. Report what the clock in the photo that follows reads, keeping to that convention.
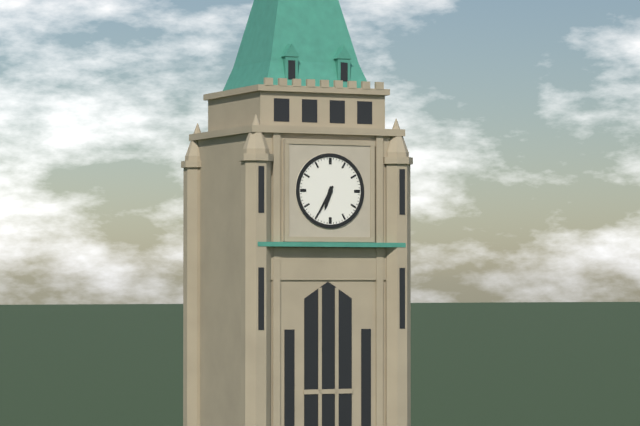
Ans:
6 h 35 min
